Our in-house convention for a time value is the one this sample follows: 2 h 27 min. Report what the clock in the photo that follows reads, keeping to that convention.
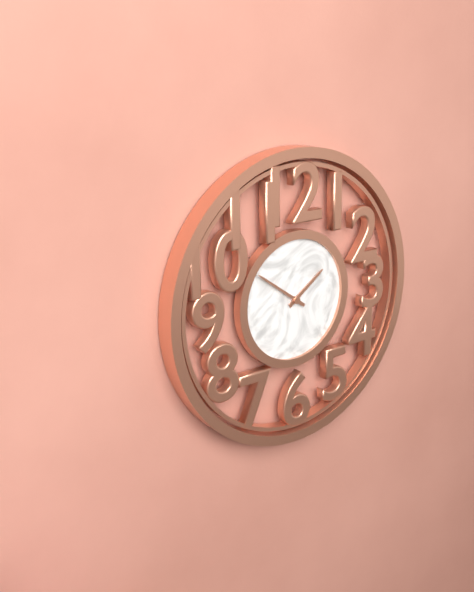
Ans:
1 h 51 min
